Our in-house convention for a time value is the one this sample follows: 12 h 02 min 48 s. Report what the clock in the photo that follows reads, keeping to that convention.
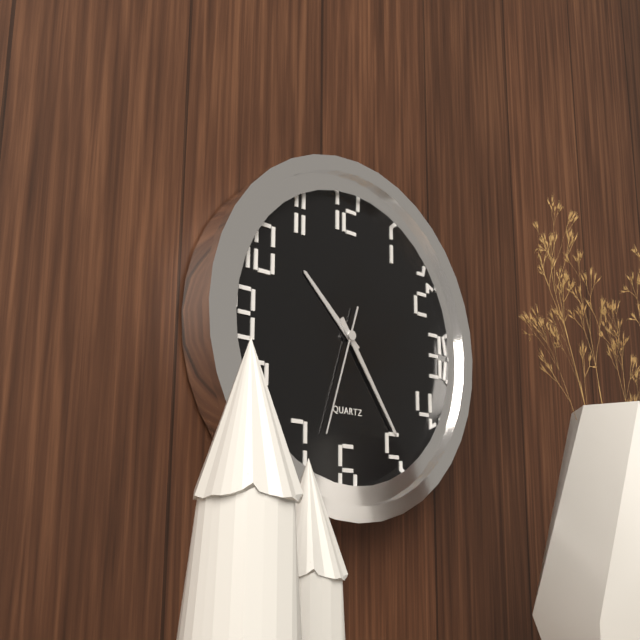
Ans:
10 h 24 min 33 s
